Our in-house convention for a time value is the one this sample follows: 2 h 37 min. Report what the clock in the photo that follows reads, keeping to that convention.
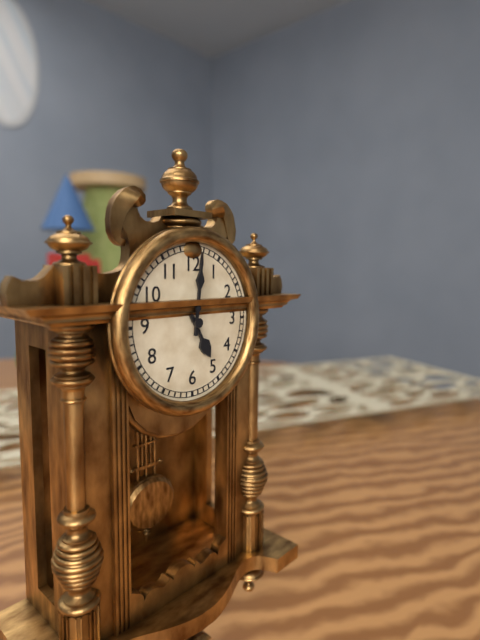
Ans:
5 h 01 min
